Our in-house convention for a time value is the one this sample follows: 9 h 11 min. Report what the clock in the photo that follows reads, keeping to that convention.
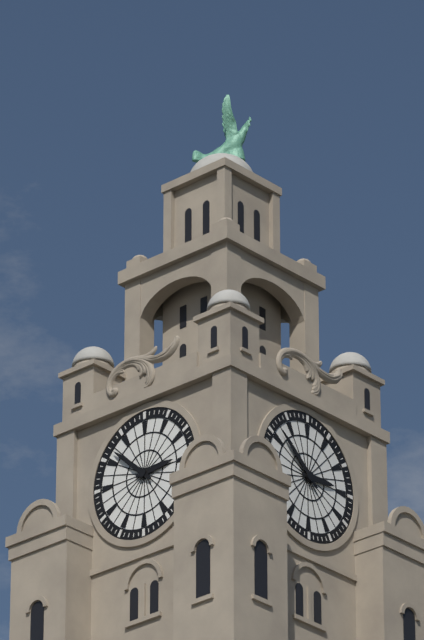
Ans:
2 h 52 min
